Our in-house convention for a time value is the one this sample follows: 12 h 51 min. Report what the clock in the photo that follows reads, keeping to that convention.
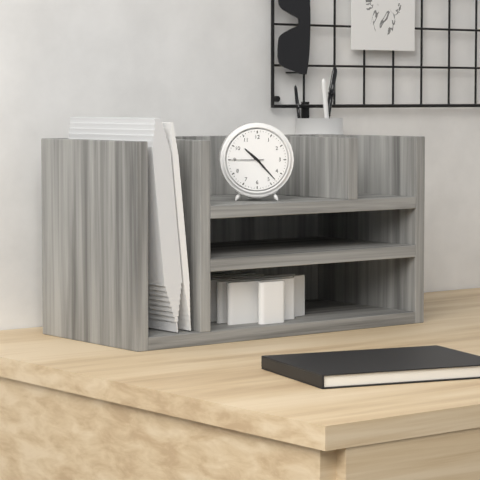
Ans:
10 h 23 min
